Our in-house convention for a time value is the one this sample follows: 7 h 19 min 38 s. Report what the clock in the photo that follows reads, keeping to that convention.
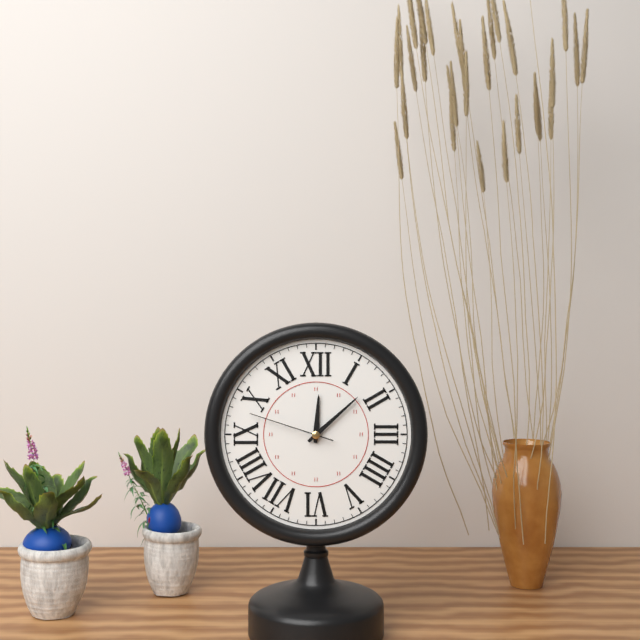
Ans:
12 h 08 min 48 s
